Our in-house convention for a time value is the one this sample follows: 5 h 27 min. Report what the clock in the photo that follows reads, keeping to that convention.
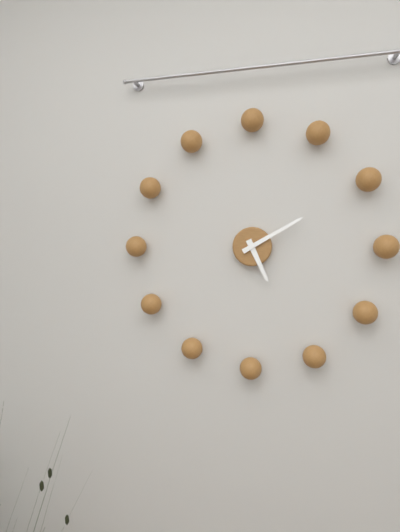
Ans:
5 h 10 min
